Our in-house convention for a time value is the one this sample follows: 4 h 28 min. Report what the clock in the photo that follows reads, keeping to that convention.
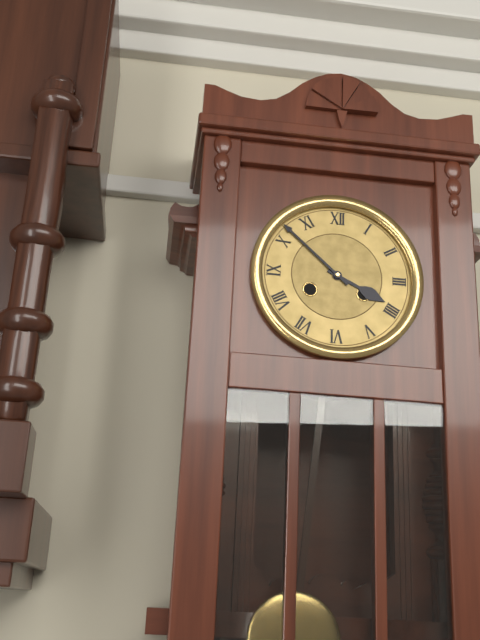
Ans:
3 h 52 min
